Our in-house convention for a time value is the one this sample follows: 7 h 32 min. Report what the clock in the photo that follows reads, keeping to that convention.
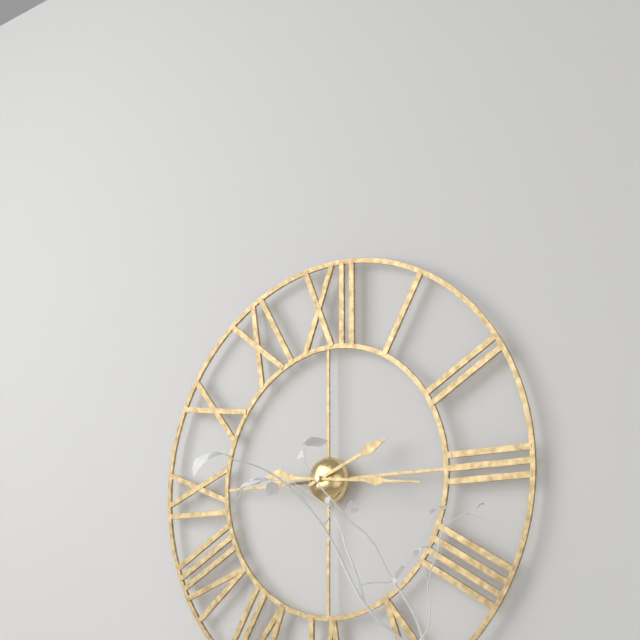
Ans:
2 h 16 min
